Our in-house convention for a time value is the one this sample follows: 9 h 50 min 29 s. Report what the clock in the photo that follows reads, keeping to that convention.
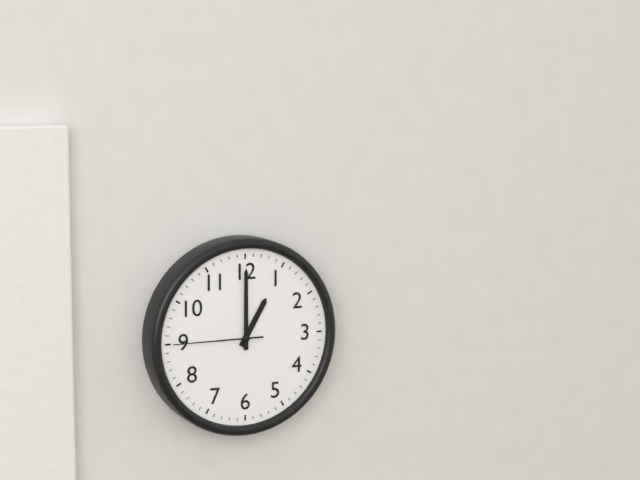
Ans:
1 h 00 min 45 s
